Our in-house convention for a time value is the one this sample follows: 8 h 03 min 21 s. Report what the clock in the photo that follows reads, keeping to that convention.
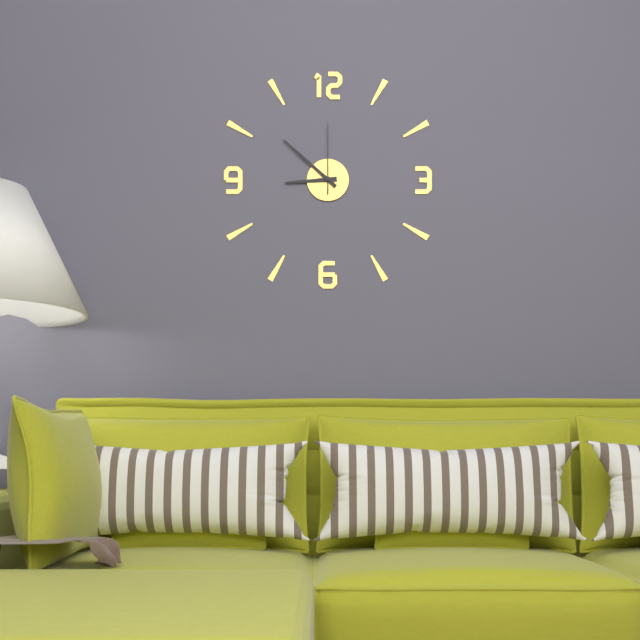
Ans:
8 h 52 min 00 s
